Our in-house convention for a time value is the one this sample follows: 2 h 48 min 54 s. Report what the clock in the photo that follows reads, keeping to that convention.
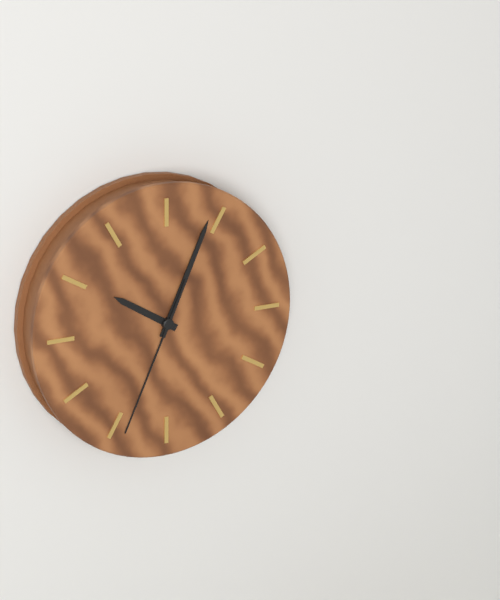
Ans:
10 h 04 min 34 s
